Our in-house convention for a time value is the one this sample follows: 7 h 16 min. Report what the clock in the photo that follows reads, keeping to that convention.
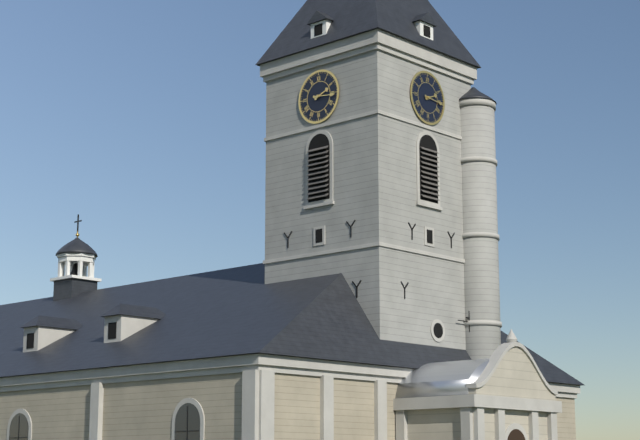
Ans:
2 h 16 min
